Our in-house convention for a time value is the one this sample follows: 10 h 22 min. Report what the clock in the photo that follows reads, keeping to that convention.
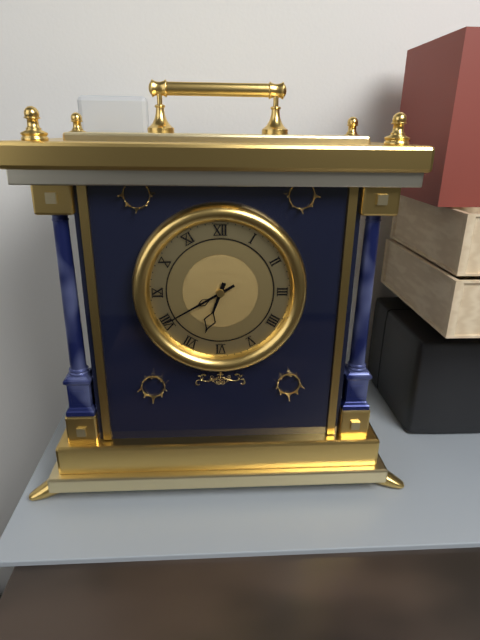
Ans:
6 h 40 min
